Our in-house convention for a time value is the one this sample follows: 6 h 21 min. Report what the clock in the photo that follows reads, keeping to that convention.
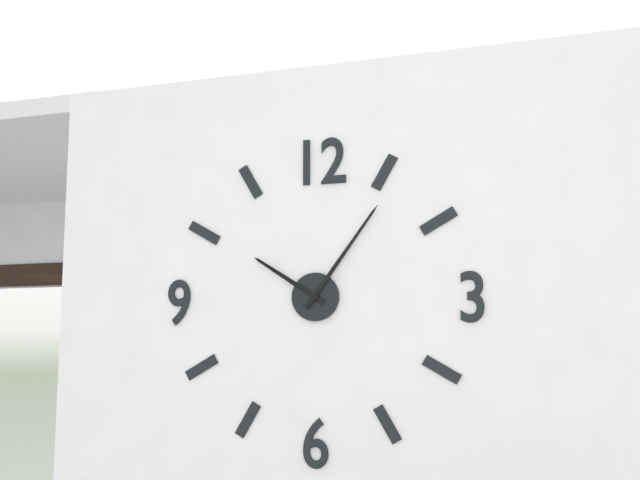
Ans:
10 h 06 min
